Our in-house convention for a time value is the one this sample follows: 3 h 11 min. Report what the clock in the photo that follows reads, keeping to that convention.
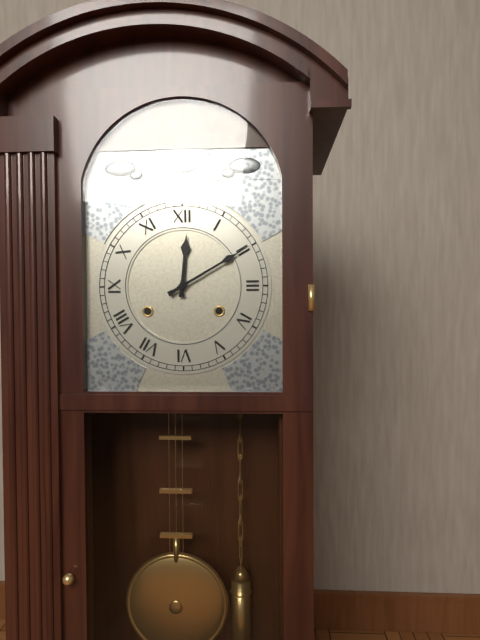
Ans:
12 h 10 min
